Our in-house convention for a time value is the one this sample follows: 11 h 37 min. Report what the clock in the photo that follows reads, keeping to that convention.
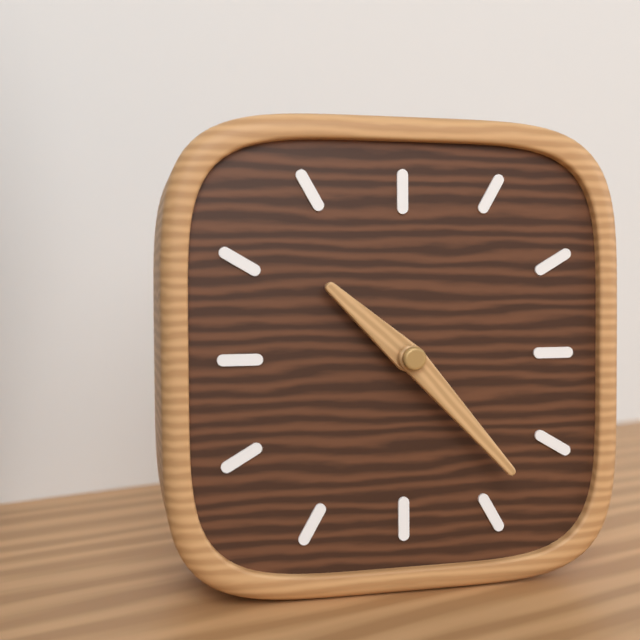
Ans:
10 h 23 min
